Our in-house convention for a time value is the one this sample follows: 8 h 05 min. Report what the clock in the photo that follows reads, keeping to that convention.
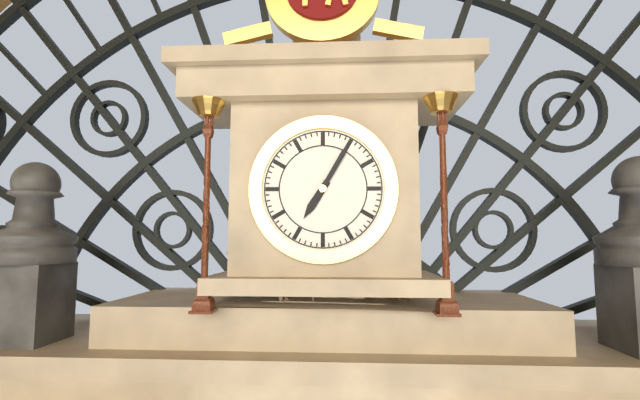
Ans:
7 h 05 min
